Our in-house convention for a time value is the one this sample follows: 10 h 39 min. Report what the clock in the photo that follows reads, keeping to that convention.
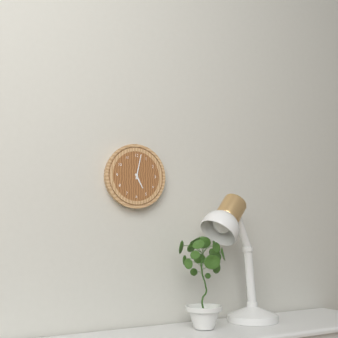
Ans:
5 h 02 min
